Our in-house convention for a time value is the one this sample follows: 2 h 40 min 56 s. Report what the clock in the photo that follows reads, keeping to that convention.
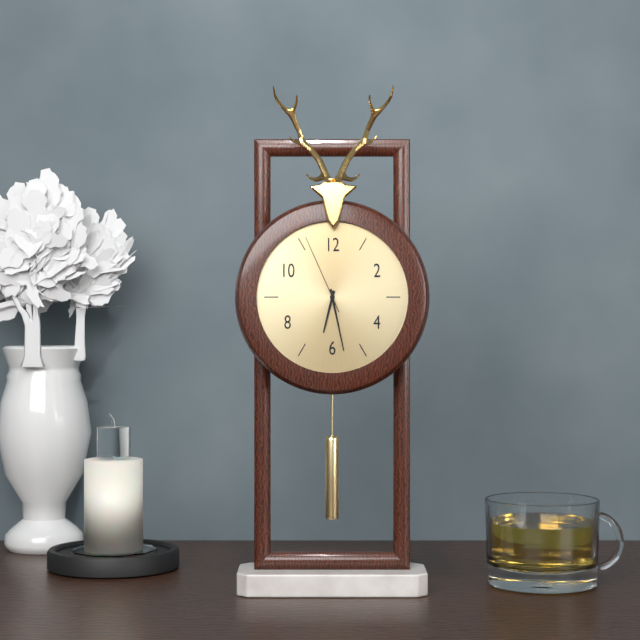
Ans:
6 h 28 min 56 s
